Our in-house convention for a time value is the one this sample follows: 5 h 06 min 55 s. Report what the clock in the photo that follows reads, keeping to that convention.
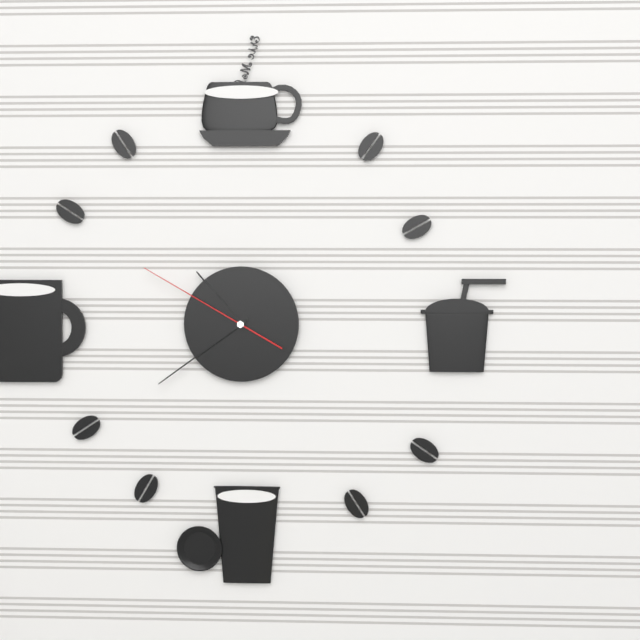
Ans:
10 h 39 min 50 s
